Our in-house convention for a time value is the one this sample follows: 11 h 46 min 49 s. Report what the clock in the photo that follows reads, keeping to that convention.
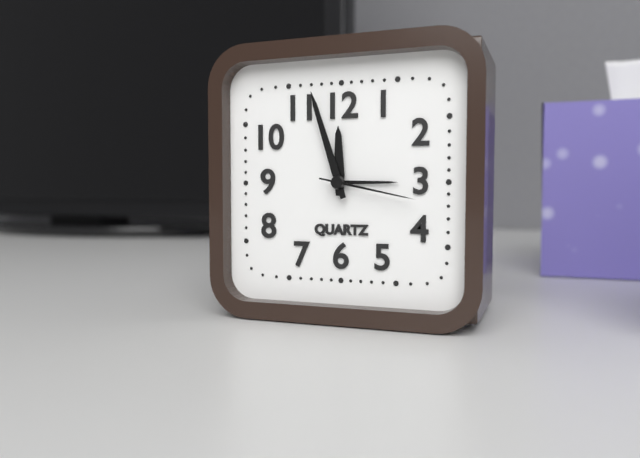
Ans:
11 h 57 min 17 s
